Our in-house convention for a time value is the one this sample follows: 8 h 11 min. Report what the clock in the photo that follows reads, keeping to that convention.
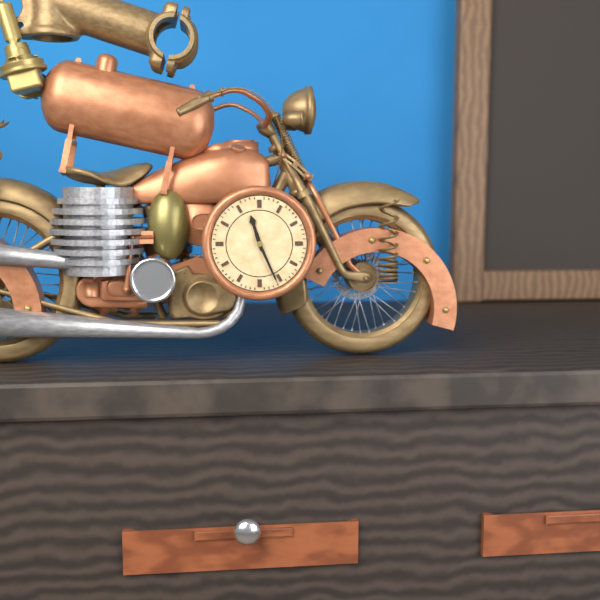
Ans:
11 h 26 min
